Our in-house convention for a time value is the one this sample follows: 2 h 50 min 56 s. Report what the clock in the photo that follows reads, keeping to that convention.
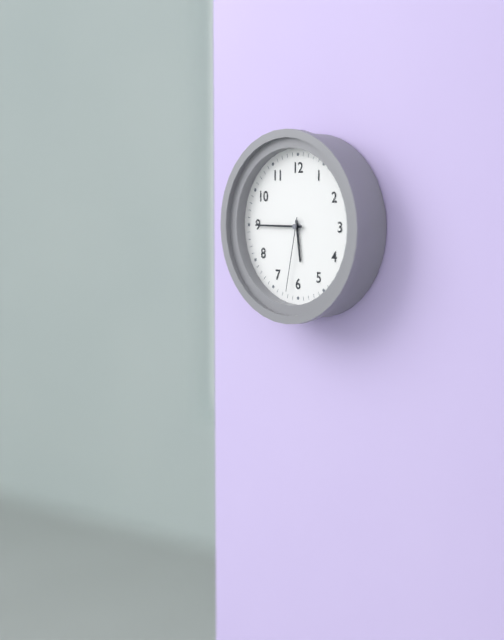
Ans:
5 h 45 min 32 s
